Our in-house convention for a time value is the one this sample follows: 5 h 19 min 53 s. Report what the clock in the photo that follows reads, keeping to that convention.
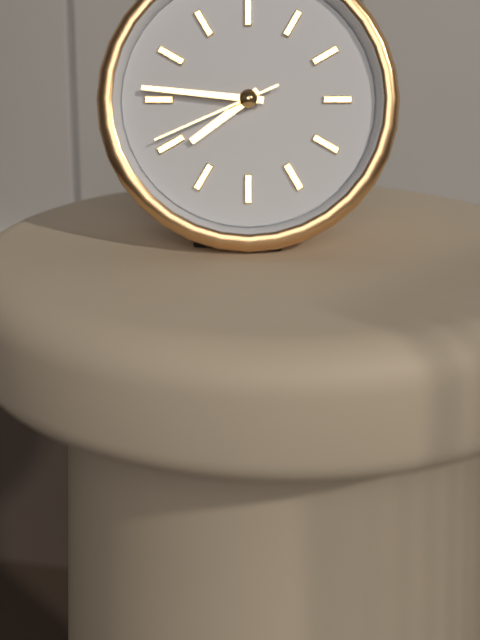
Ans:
7 h 46 min 41 s
